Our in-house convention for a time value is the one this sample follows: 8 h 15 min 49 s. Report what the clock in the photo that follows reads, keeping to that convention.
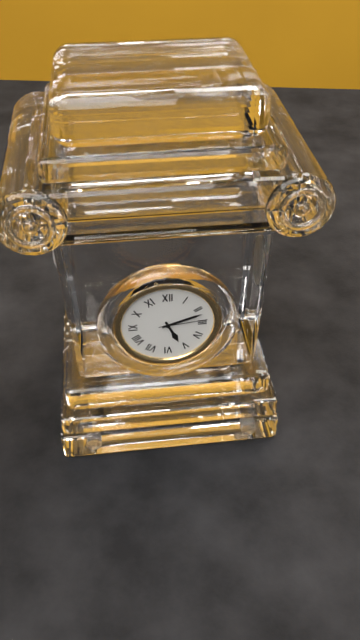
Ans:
5 h 12 min 14 s
